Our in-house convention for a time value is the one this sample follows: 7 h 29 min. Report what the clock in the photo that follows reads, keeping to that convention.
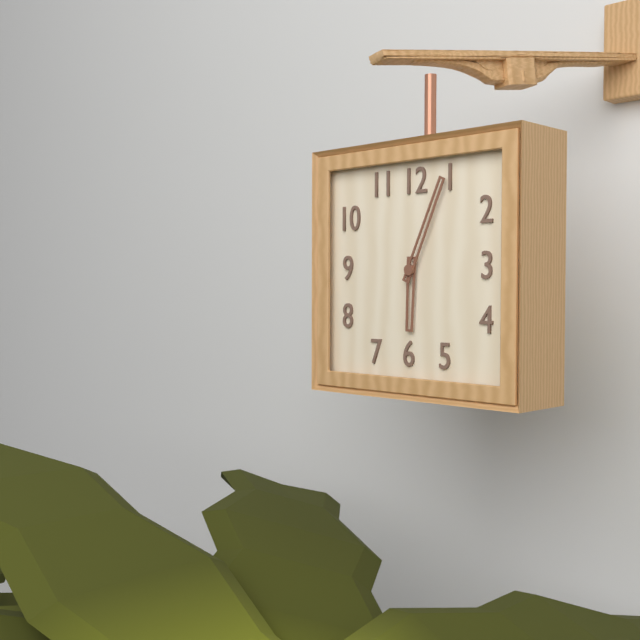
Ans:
6 h 04 min
